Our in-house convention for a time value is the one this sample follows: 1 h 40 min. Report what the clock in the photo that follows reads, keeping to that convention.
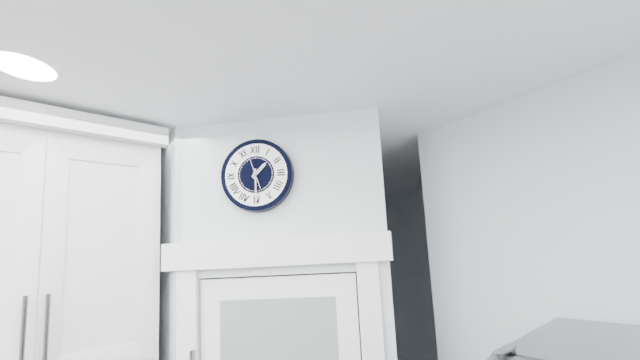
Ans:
1 h 30 min
